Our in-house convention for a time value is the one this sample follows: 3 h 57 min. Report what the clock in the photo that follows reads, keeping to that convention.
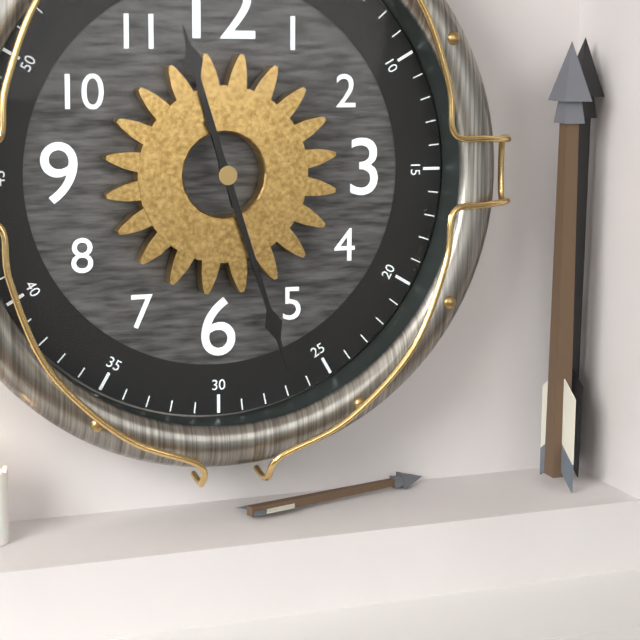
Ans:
11 h 27 min
